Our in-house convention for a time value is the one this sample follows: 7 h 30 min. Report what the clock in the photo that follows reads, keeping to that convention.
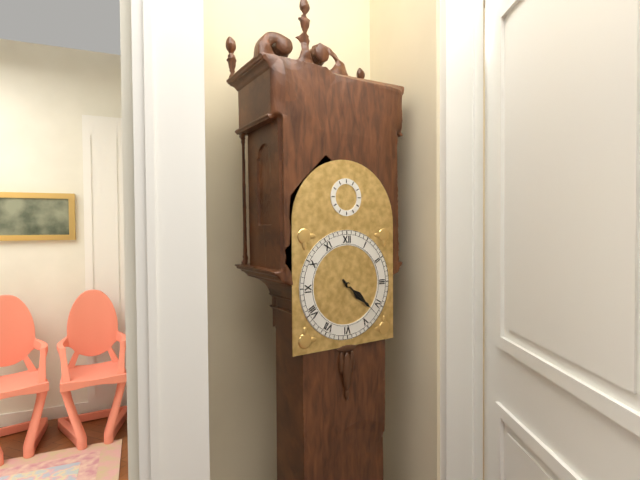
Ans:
4 h 22 min
